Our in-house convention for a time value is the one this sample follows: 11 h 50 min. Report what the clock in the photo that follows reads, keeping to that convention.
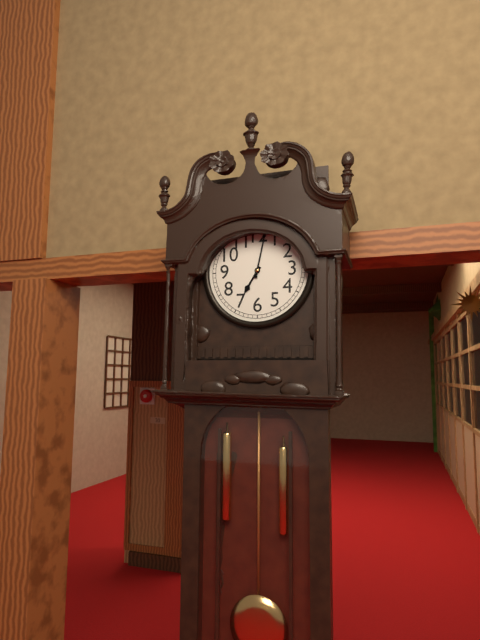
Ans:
7 h 02 min
